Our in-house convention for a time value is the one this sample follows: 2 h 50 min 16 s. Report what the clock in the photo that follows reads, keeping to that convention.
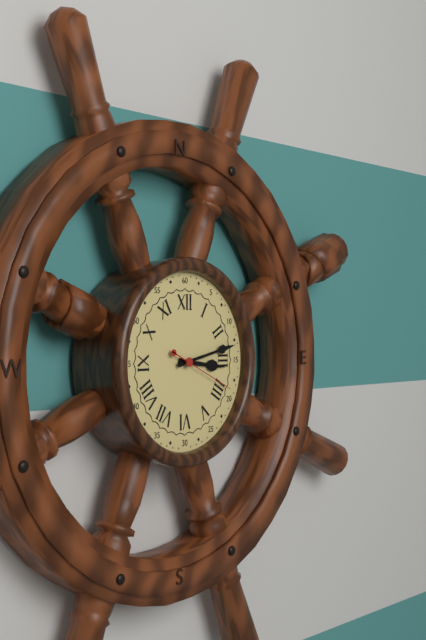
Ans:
3 h 13 min 19 s
